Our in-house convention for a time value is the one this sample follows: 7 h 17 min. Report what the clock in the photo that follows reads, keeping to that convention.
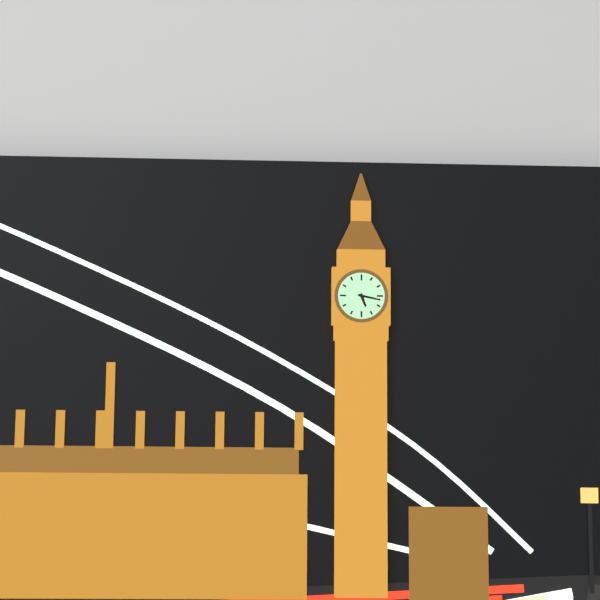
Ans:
5 h 17 min
